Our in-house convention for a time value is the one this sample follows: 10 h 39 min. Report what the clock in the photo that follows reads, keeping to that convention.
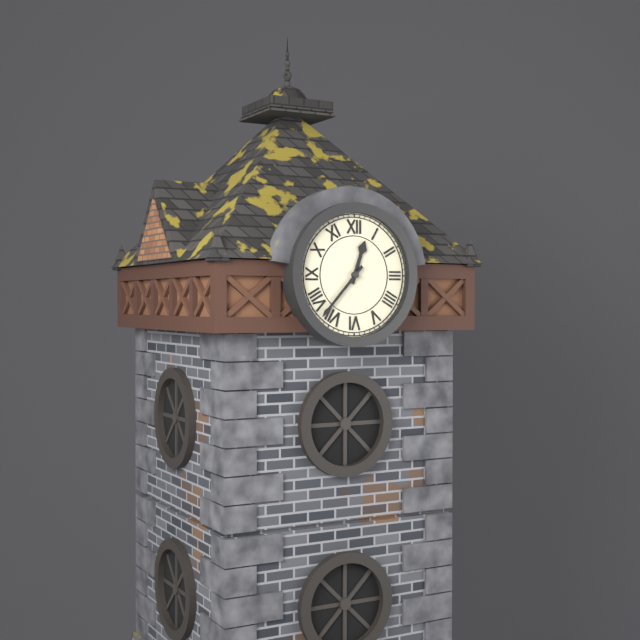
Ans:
12 h 37 min
